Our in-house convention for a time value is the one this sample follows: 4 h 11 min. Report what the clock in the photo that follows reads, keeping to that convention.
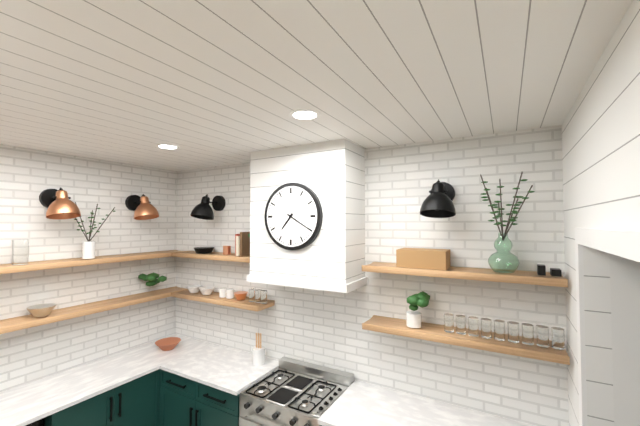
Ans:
7 h 20 min
